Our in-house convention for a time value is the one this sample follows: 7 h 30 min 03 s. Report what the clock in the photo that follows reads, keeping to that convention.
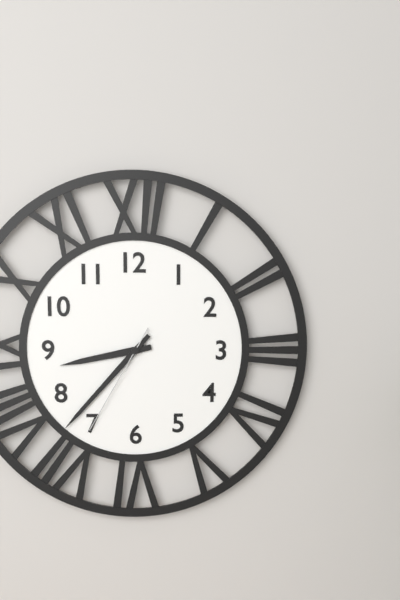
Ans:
8 h 37 min 35 s
